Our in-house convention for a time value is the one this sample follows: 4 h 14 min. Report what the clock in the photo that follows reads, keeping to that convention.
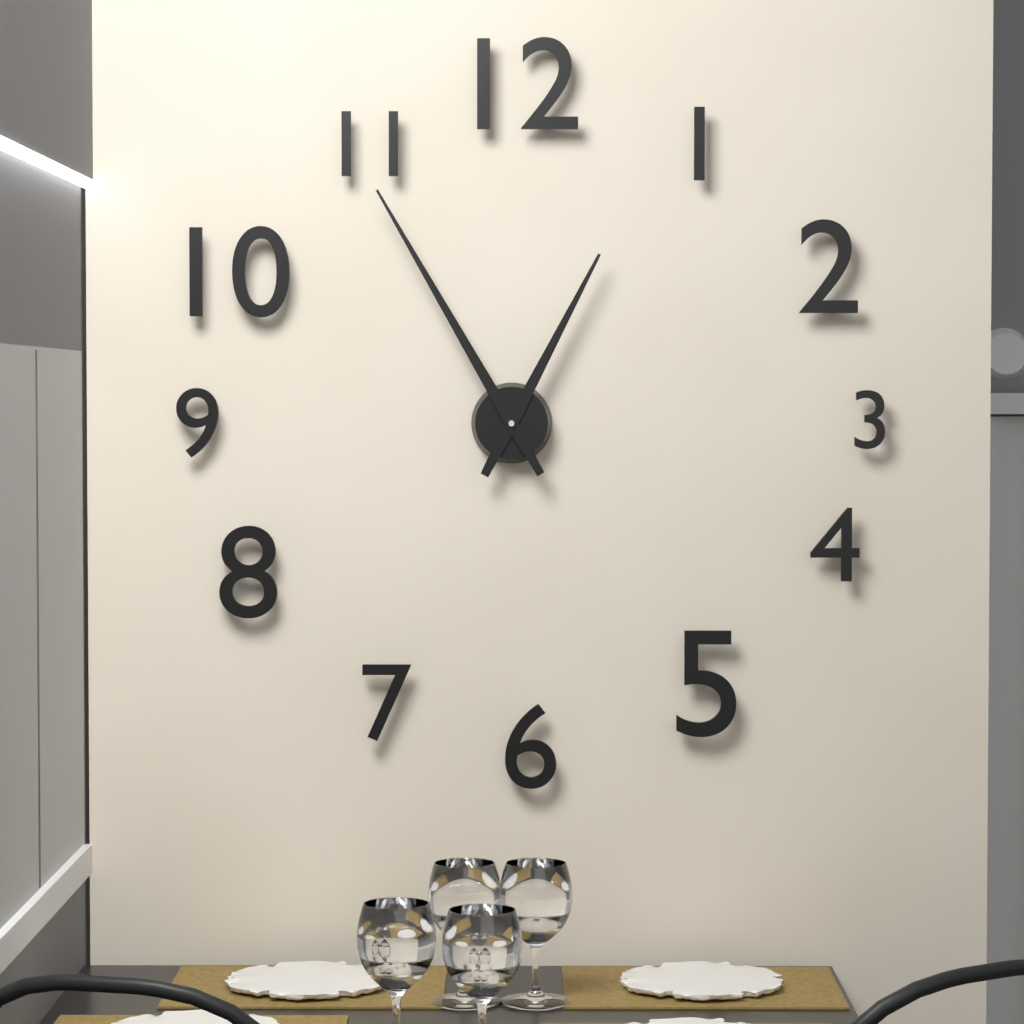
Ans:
12 h 55 min
